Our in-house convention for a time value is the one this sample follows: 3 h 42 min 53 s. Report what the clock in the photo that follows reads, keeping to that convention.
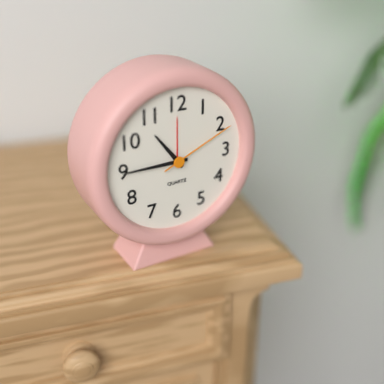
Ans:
10 h 45 min 11 s
